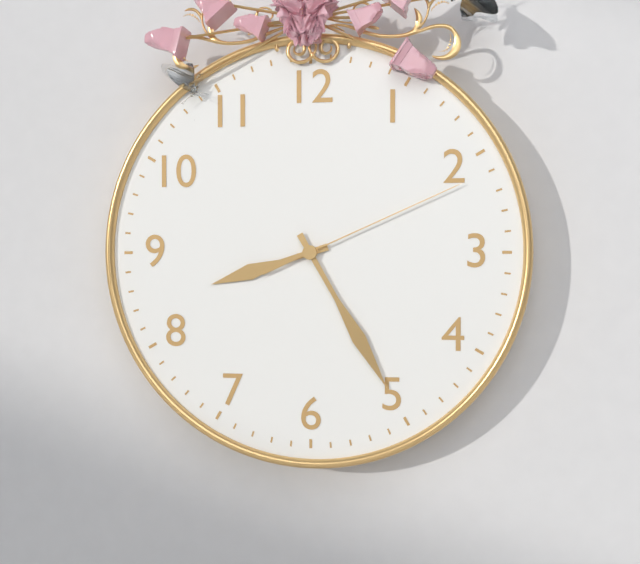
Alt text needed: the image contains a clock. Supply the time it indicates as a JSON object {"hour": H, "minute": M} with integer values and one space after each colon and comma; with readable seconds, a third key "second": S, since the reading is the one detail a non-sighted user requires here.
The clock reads {"hour": 8, "minute": 25, "second": 11}
